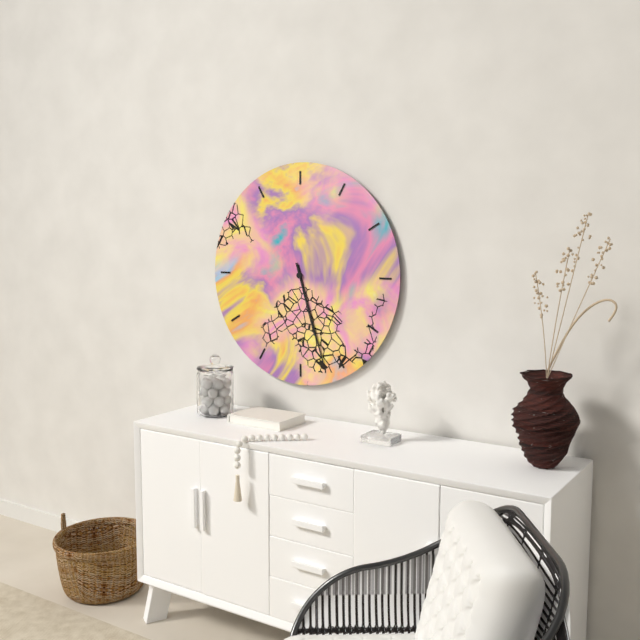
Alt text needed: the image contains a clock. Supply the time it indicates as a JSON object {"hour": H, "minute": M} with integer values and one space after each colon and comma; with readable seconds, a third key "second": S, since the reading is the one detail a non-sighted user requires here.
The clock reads {"hour": 5, "minute": 27}
